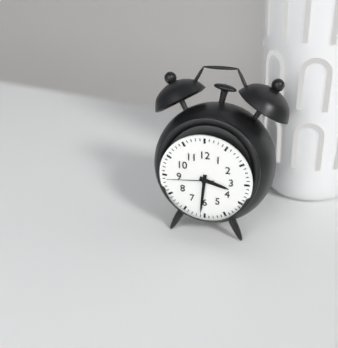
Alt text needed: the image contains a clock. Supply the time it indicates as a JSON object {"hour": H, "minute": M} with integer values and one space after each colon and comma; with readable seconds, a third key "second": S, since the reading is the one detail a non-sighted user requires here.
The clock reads {"hour": 3, "minute": 31}
